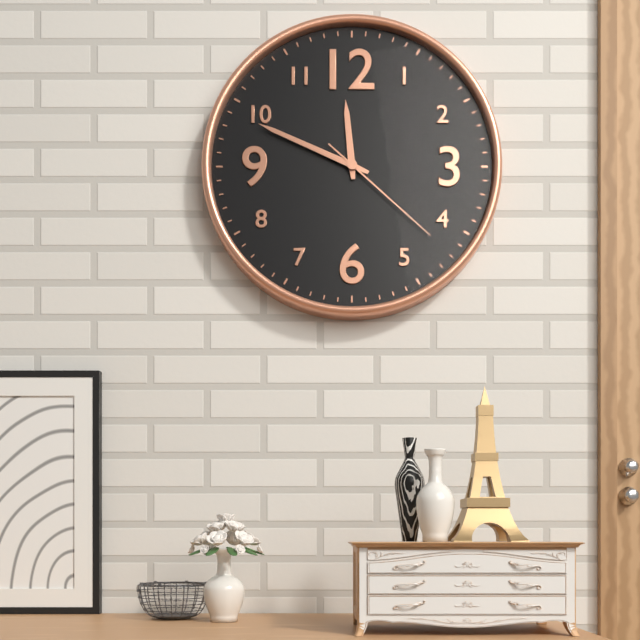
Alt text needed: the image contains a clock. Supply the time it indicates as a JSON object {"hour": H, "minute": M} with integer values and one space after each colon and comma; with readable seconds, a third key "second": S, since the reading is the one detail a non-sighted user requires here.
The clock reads {"hour": 11, "minute": 49, "second": 22}
